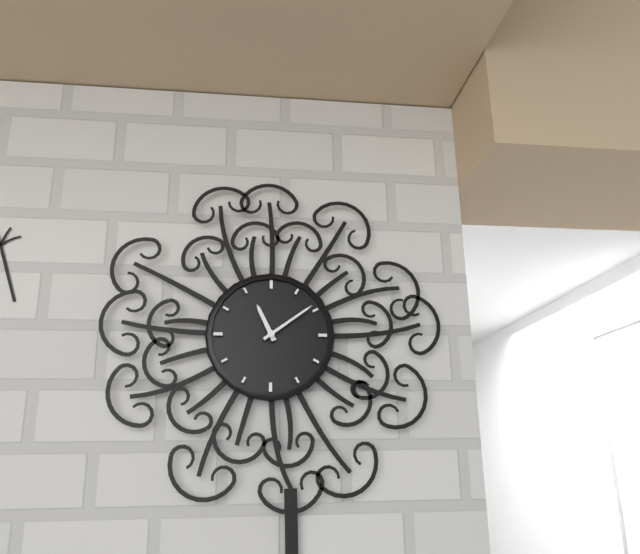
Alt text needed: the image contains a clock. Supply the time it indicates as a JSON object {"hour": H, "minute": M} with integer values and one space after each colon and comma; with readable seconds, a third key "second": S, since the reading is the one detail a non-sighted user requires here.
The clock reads {"hour": 11, "minute": 9}
